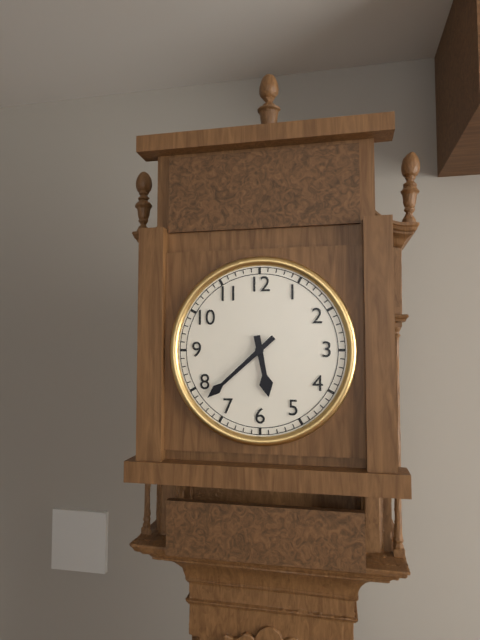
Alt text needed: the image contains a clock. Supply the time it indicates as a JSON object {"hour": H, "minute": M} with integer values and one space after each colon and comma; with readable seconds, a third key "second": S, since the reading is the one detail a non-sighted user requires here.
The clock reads {"hour": 5, "minute": 38}
